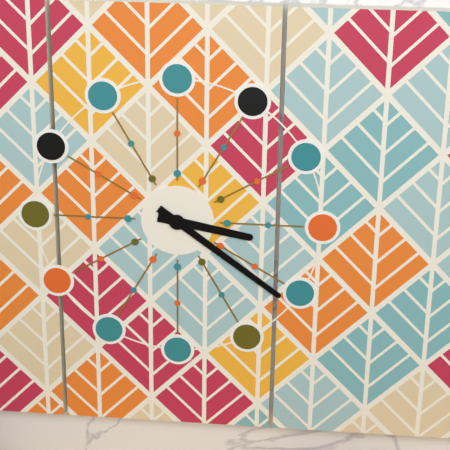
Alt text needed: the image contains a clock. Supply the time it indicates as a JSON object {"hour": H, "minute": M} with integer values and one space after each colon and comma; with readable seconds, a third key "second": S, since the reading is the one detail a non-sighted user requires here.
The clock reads {"hour": 3, "minute": 21}
